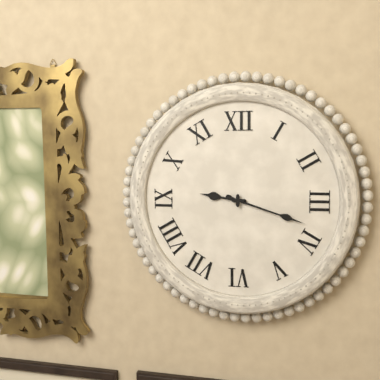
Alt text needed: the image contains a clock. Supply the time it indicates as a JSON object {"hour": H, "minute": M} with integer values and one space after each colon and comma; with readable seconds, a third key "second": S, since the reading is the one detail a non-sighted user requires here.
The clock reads {"hour": 9, "minute": 18}
